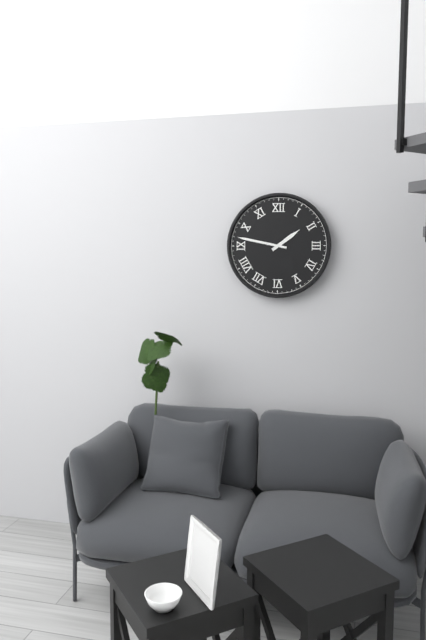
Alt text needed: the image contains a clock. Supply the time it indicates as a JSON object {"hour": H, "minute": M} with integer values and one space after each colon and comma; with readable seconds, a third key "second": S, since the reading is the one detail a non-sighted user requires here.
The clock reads {"hour": 1, "minute": 47}
